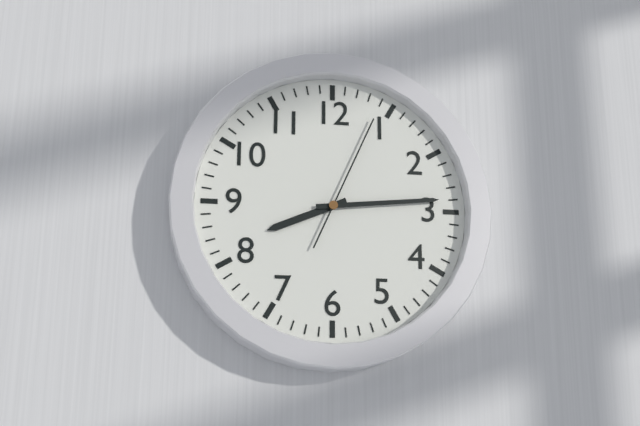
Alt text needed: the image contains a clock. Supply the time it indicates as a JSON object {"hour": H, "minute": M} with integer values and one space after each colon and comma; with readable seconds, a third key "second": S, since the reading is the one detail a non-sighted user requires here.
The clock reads {"hour": 8, "minute": 14, "second": 4}
